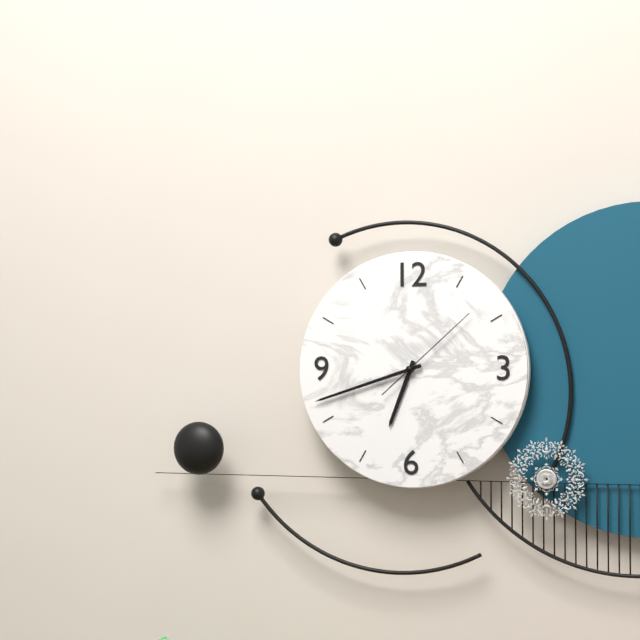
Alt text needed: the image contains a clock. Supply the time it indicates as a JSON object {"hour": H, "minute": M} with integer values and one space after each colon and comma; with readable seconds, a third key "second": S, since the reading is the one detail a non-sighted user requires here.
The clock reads {"hour": 6, "minute": 42, "second": 8}
